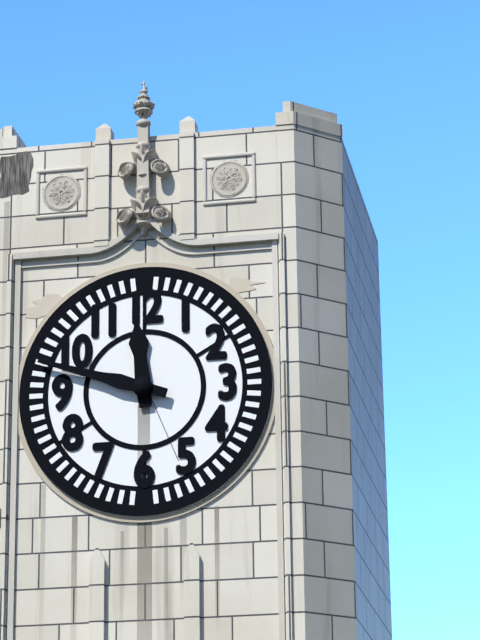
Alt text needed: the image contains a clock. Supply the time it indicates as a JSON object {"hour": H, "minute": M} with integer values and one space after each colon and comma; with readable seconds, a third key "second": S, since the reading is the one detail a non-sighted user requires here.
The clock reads {"hour": 11, "minute": 48}
